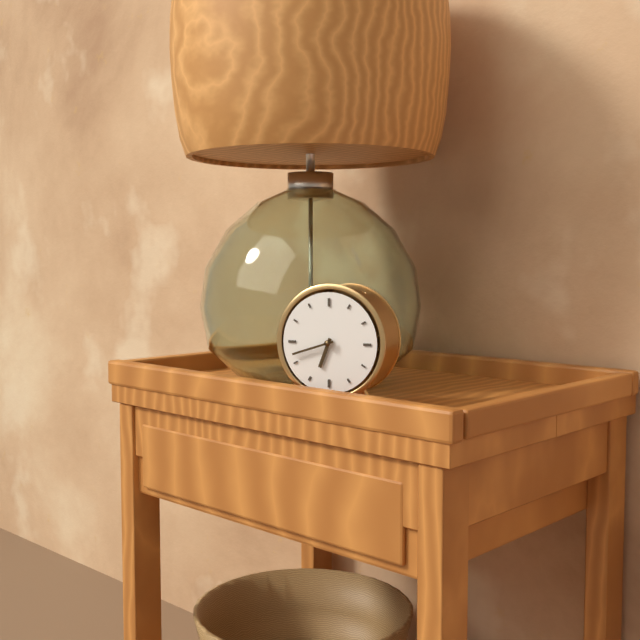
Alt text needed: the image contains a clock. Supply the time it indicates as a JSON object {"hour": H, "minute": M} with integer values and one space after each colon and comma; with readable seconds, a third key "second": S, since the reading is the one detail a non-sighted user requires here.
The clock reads {"hour": 6, "minute": 42}
